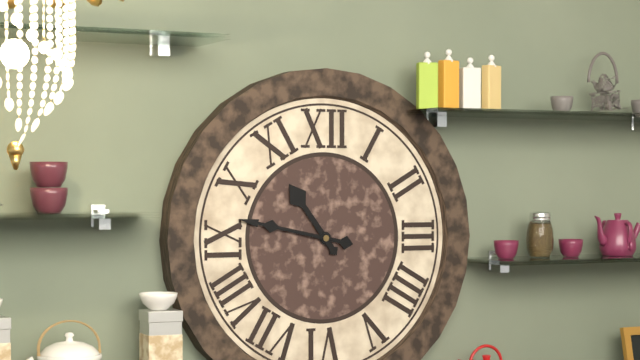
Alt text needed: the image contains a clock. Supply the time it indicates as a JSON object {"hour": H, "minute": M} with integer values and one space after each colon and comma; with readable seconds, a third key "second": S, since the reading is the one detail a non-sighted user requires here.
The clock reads {"hour": 10, "minute": 47}
